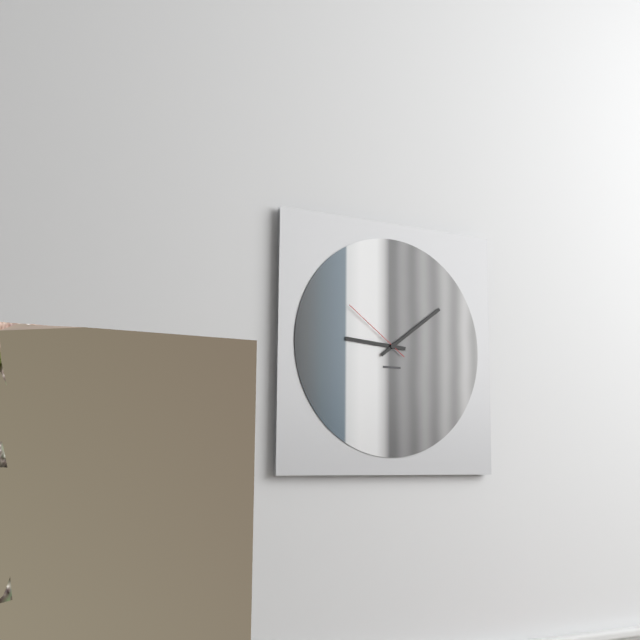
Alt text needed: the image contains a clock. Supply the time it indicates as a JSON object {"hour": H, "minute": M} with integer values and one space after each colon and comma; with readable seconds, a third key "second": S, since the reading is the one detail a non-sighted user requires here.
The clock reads {"hour": 9, "minute": 9, "second": 51}
